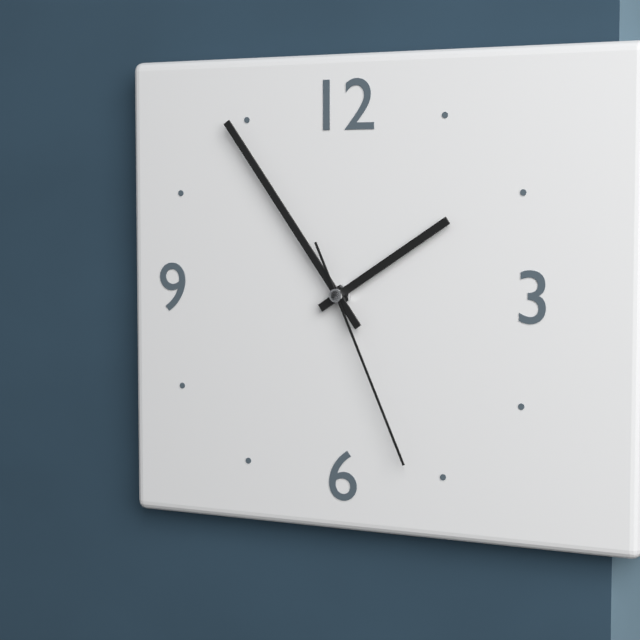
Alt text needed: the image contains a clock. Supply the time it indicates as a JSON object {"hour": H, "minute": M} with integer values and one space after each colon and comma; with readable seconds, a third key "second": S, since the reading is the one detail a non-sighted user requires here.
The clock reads {"hour": 1, "minute": 54, "second": 26}
